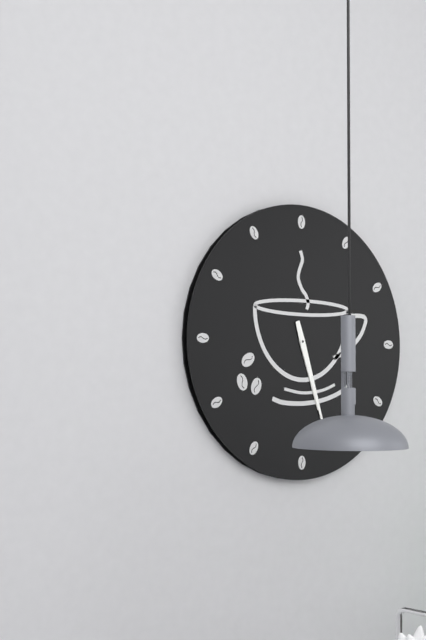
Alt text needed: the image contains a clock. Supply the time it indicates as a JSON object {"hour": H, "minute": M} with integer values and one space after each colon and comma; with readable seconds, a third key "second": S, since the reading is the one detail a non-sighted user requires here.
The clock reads {"hour": 5, "minute": 27}
